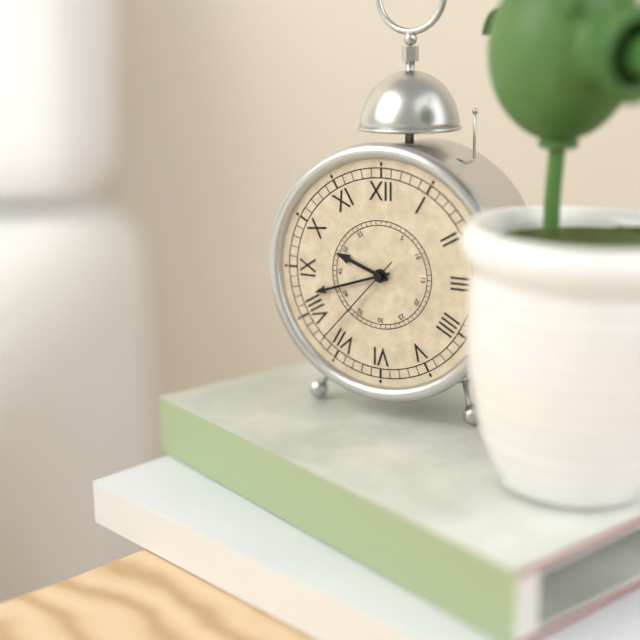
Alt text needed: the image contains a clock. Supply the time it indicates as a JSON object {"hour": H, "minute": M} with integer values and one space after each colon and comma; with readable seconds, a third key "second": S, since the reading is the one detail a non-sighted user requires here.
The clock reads {"hour": 9, "minute": 42, "second": 37}
